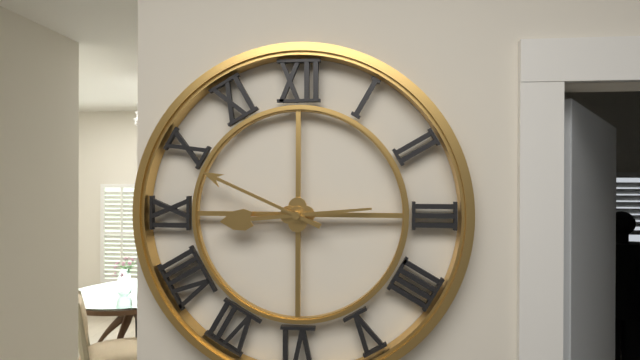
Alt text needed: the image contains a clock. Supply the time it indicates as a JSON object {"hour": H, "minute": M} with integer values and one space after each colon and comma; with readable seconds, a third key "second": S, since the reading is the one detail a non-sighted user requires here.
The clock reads {"hour": 8, "minute": 49}
